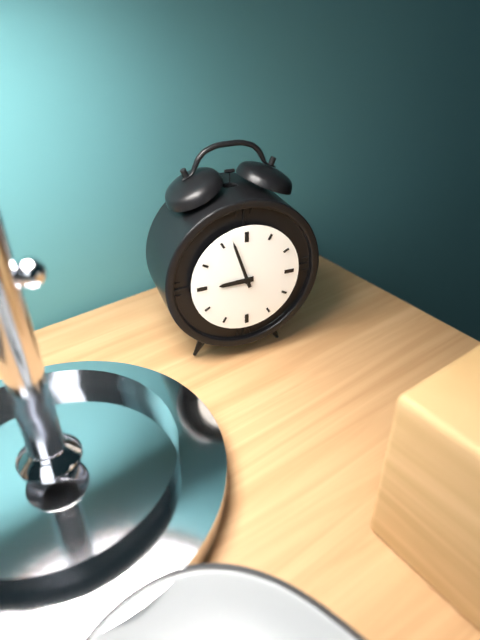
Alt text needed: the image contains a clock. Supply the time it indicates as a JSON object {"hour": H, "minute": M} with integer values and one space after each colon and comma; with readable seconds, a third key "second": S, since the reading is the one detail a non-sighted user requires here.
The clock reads {"hour": 8, "minute": 57}
